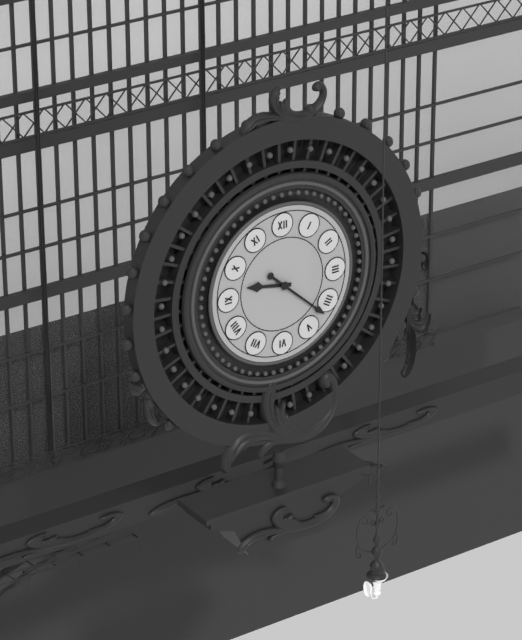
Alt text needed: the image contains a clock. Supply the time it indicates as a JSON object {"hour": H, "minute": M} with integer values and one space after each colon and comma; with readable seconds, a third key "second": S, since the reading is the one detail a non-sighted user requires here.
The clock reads {"hour": 9, "minute": 22}
